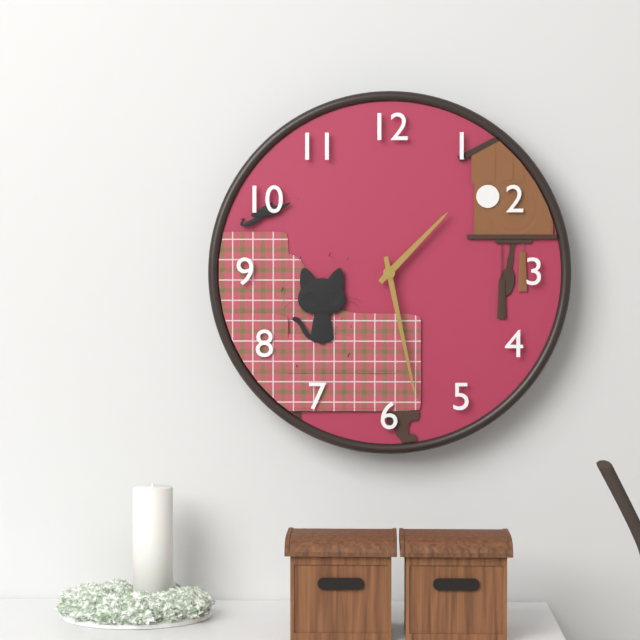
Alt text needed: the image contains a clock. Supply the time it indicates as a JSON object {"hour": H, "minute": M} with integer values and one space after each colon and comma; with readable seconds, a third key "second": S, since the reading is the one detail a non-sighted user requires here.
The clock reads {"hour": 1, "minute": 28}
